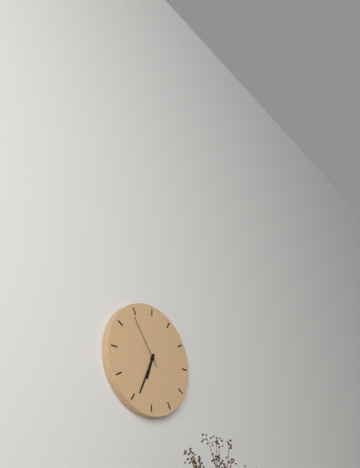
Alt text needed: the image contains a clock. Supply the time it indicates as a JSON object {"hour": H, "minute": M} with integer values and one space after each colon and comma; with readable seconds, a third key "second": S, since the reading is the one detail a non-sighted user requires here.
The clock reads {"hour": 6, "minute": 34, "second": 54}
